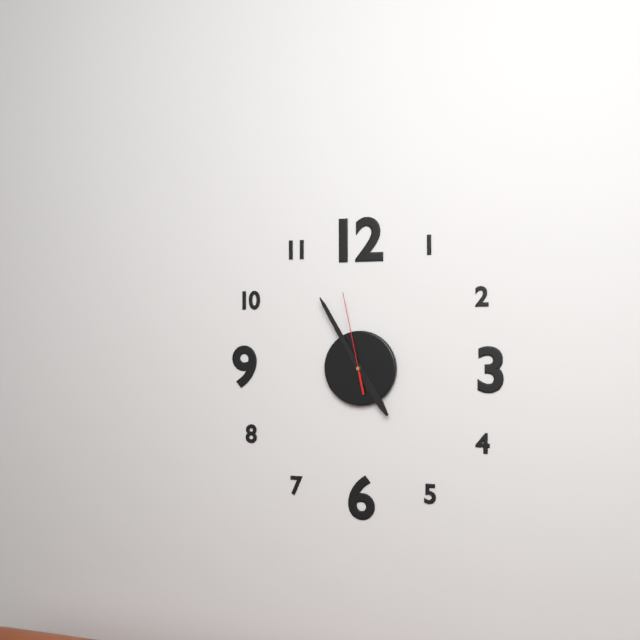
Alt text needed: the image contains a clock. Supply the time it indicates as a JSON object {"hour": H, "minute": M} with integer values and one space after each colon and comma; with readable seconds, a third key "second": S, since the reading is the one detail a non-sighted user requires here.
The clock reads {"hour": 4, "minute": 55, "second": 58}
